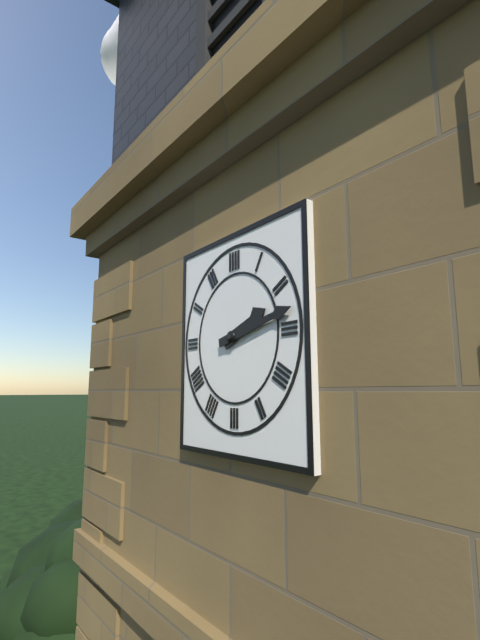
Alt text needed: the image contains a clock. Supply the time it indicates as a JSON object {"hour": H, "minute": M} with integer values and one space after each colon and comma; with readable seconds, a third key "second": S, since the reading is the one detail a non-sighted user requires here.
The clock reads {"hour": 2, "minute": 13}
